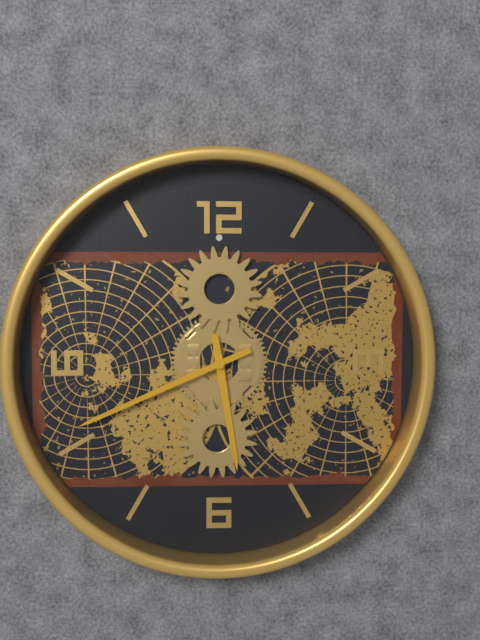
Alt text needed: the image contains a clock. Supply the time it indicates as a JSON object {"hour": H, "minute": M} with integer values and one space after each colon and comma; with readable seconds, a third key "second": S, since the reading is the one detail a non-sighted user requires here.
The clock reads {"hour": 5, "minute": 41}
